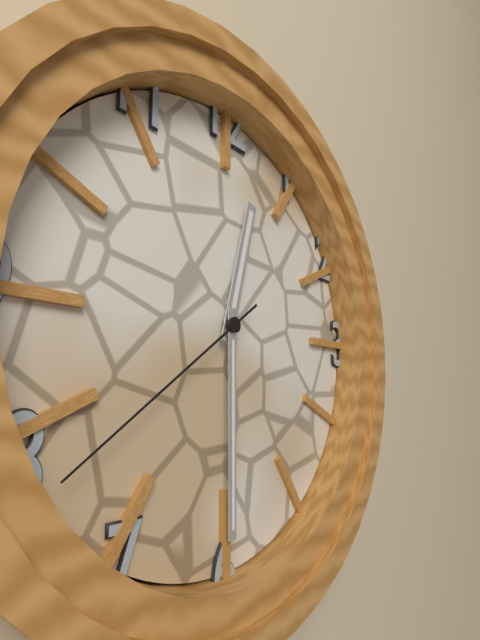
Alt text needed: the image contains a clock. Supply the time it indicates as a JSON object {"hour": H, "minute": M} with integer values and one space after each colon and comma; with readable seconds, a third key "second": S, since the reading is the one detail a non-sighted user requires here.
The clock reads {"hour": 12, "minute": 30, "second": 39}
